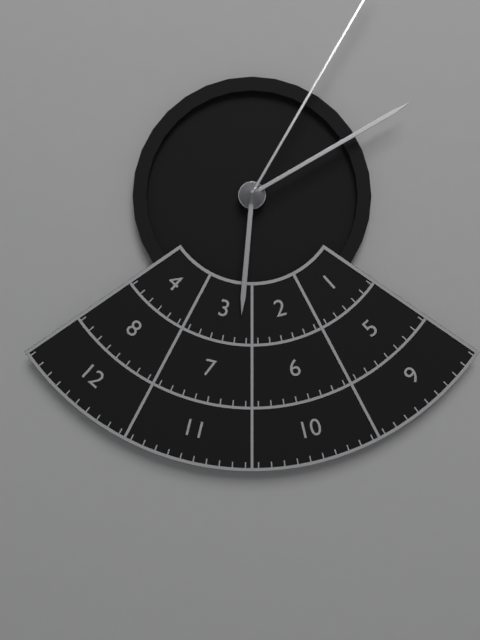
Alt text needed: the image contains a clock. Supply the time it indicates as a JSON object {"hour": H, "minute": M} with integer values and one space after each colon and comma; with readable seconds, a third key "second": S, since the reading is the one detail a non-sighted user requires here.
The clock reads {"hour": 6, "minute": 10}
